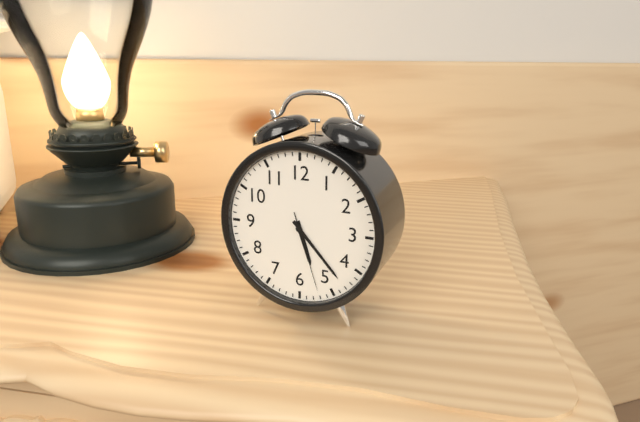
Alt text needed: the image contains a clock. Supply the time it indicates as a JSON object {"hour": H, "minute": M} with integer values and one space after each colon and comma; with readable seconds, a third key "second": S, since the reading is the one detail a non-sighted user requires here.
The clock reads {"hour": 5, "minute": 23, "second": 27}
